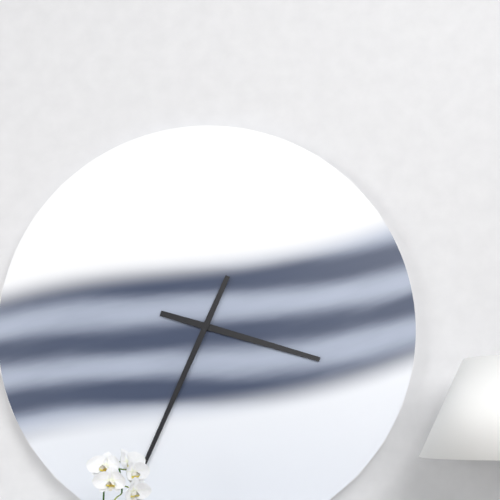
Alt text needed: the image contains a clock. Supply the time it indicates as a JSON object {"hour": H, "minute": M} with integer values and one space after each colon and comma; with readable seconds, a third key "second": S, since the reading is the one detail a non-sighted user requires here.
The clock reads {"hour": 3, "minute": 34}
